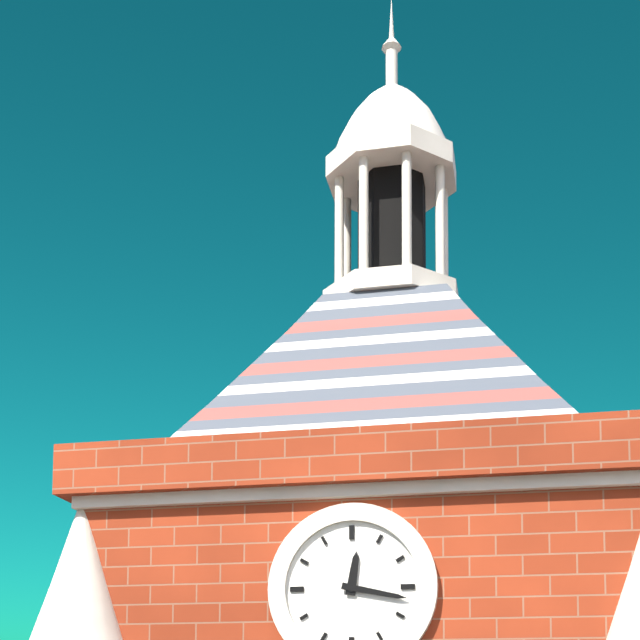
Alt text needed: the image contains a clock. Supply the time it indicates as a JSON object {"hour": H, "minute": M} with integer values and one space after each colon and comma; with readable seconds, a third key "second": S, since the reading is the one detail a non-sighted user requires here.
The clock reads {"hour": 12, "minute": 17}
